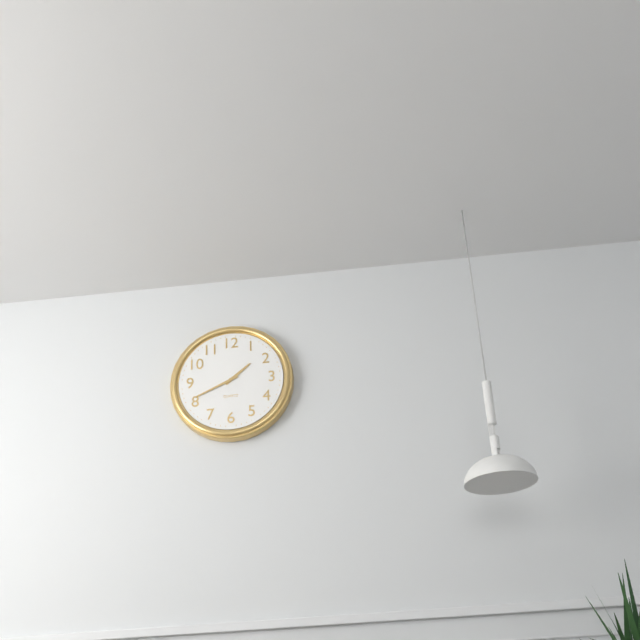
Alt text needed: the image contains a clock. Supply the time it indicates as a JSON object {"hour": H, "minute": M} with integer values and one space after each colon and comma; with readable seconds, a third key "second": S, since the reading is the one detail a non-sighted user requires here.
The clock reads {"hour": 1, "minute": 41}
